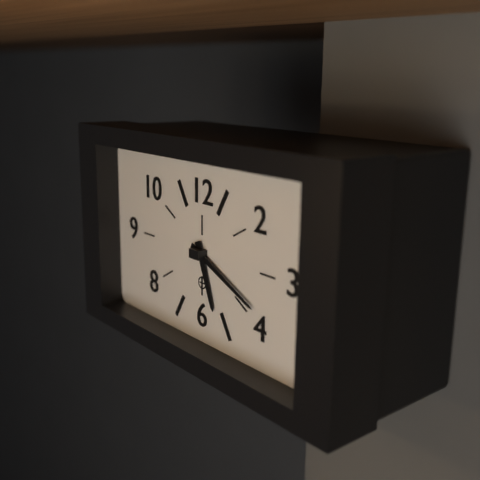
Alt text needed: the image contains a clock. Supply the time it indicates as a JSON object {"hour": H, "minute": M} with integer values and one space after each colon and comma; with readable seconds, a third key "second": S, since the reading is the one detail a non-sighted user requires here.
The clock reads {"hour": 5, "minute": 19}
